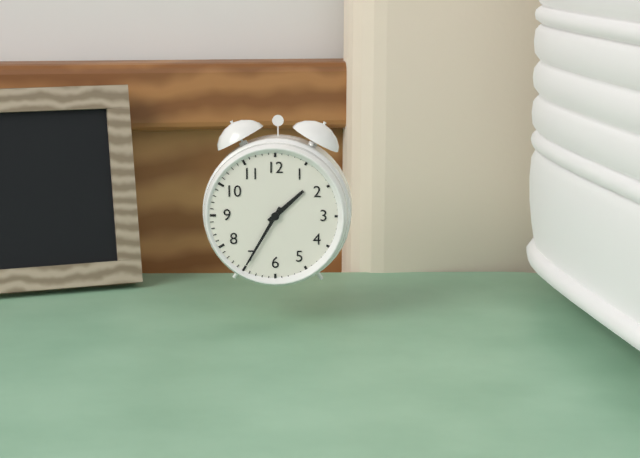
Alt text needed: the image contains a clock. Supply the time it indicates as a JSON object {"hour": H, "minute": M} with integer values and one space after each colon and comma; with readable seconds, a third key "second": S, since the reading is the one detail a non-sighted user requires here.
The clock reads {"hour": 1, "minute": 35}
